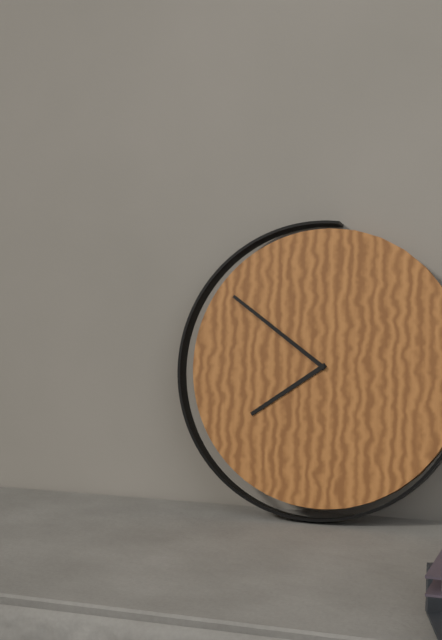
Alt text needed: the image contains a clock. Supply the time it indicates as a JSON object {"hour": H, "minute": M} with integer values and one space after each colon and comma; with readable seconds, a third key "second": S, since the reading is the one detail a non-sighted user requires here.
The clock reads {"hour": 7, "minute": 51}
